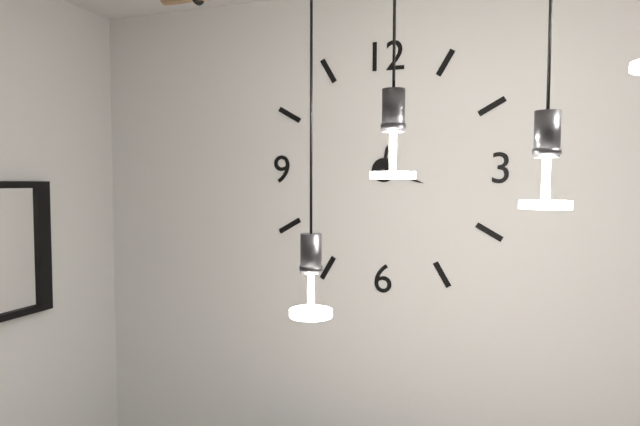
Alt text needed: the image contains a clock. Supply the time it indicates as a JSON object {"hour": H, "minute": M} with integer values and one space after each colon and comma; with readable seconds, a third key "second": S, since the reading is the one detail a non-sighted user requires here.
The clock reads {"hour": 12, "minute": 18}
